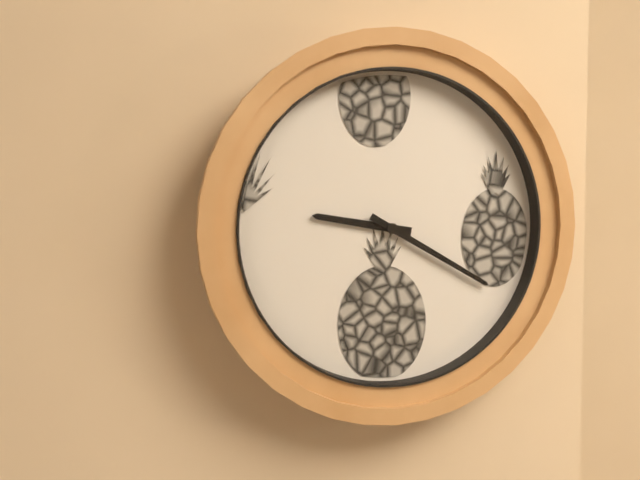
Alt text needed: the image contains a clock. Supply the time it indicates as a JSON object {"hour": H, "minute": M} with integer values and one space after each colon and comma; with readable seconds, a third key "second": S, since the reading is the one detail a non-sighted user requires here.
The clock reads {"hour": 9, "minute": 20}
